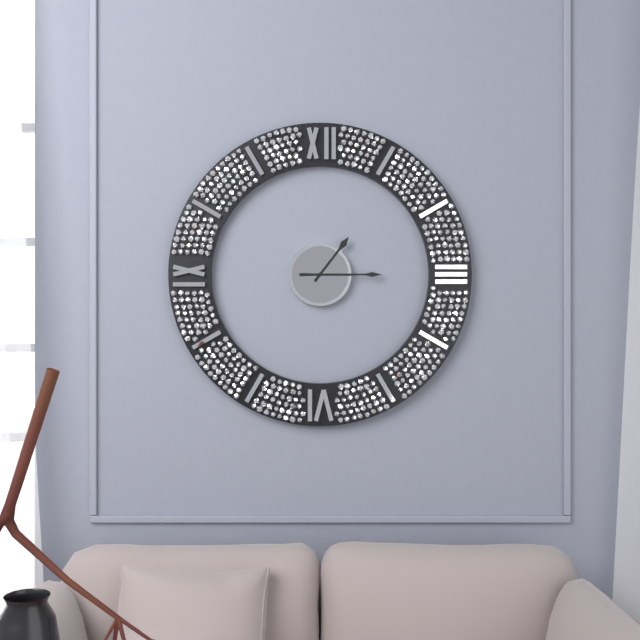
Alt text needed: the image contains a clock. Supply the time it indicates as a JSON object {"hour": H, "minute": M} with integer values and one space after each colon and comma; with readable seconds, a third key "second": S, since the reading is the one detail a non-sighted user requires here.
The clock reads {"hour": 1, "minute": 15}
